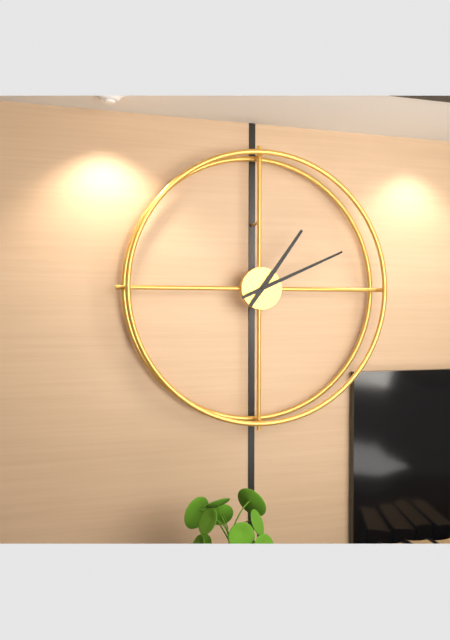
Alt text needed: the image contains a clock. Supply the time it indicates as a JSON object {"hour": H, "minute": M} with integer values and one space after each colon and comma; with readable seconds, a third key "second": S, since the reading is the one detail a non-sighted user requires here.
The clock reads {"hour": 1, "minute": 11}
